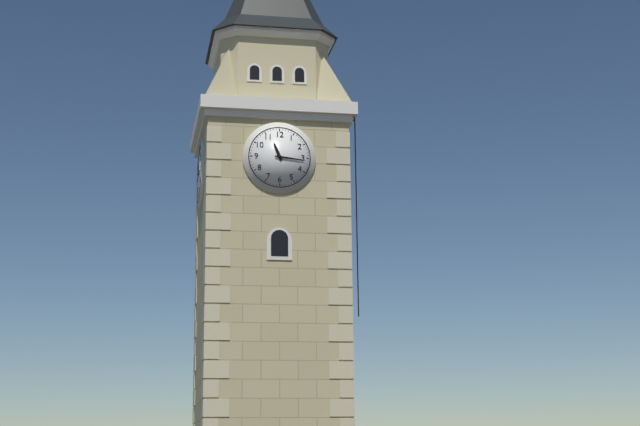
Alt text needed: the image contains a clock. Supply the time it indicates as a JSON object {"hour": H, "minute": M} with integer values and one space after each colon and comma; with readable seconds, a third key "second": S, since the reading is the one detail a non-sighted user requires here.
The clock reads {"hour": 11, "minute": 16}
